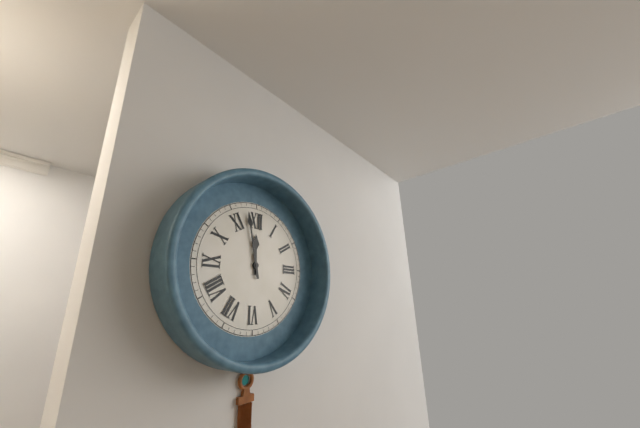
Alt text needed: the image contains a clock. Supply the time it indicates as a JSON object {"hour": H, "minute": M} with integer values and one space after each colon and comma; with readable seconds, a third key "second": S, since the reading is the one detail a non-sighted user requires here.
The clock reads {"hour": 11, "minute": 58}
